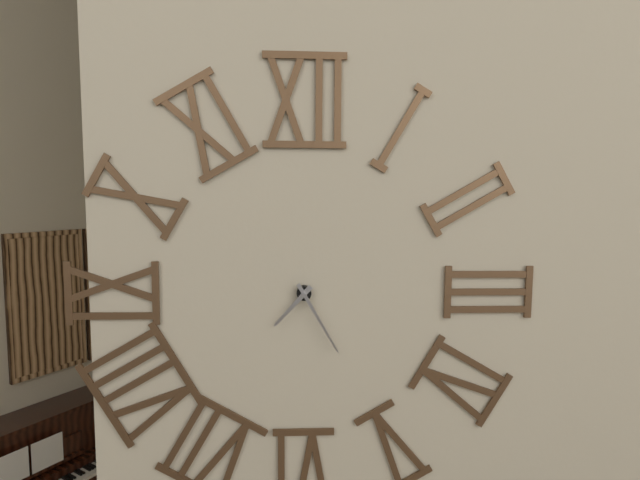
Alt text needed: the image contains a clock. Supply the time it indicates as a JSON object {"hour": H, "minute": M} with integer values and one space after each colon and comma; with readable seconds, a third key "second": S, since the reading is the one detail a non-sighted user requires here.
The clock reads {"hour": 7, "minute": 25}
